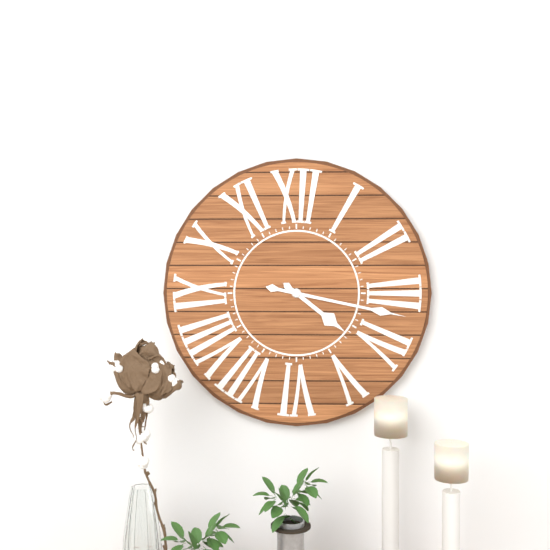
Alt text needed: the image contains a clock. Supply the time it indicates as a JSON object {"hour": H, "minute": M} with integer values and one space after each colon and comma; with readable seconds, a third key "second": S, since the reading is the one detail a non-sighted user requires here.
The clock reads {"hour": 4, "minute": 17}
